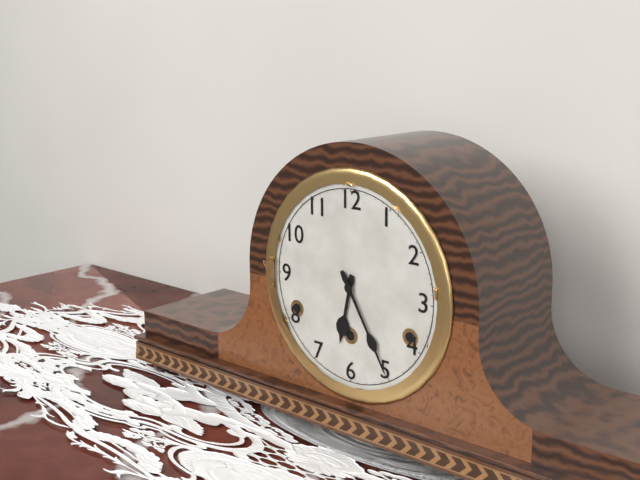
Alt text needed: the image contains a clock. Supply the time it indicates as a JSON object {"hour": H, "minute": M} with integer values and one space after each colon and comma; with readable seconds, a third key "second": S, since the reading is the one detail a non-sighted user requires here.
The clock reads {"hour": 6, "minute": 25}
